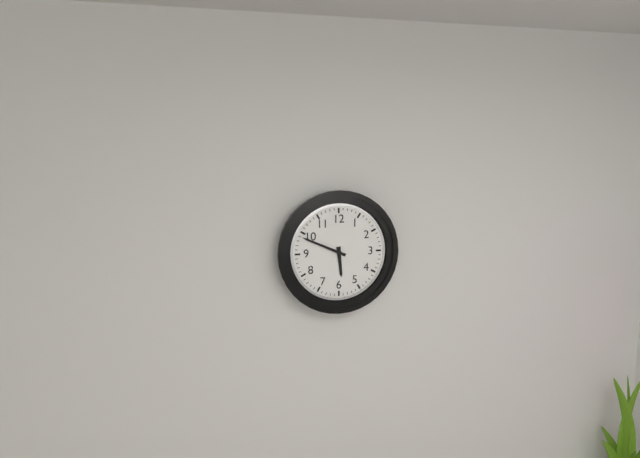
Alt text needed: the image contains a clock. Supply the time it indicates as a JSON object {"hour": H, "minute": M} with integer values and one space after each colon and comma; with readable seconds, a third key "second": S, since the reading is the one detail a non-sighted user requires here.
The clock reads {"hour": 5, "minute": 49}
